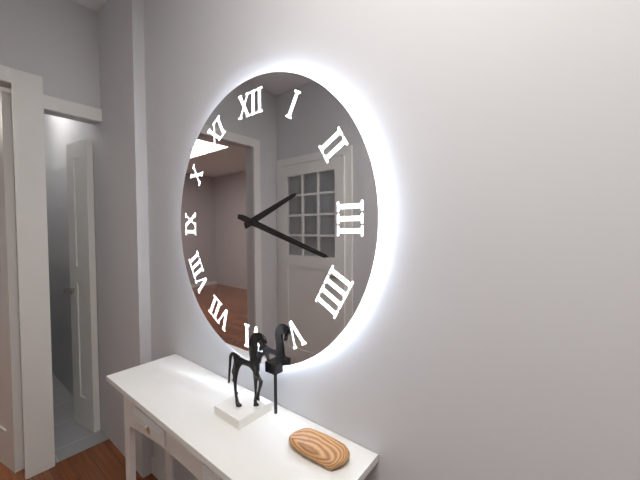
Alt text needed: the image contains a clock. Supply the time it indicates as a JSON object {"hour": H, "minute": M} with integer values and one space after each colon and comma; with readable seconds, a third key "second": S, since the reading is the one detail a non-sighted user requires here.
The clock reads {"hour": 2, "minute": 18}
